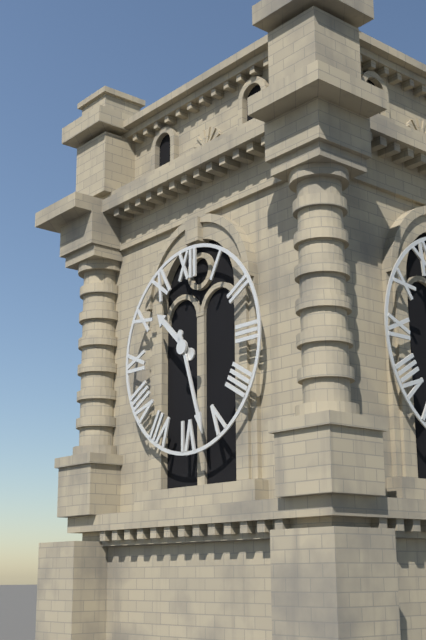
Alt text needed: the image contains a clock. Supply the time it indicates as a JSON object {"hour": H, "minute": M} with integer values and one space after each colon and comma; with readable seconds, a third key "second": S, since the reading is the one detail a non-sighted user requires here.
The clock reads {"hour": 10, "minute": 27}
